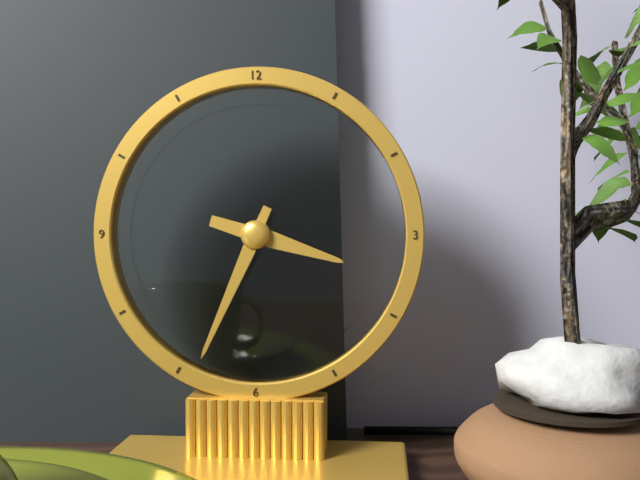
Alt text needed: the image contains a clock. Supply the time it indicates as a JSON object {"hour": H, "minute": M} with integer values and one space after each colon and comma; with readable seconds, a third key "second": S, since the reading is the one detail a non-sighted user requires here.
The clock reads {"hour": 3, "minute": 34}
